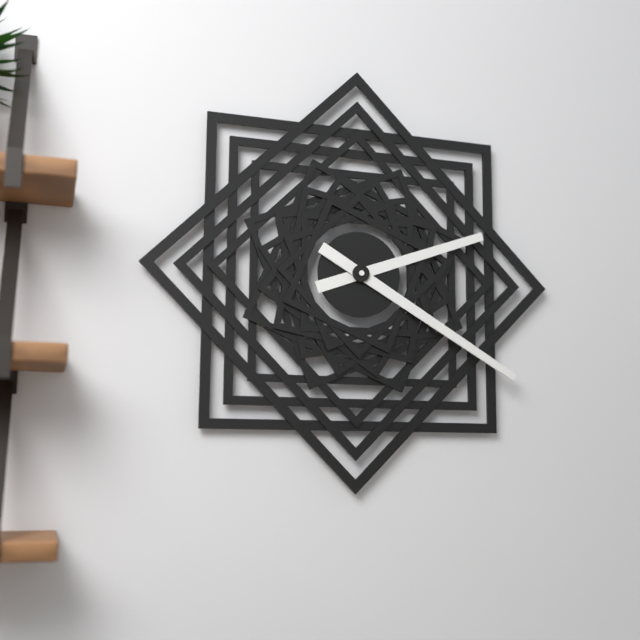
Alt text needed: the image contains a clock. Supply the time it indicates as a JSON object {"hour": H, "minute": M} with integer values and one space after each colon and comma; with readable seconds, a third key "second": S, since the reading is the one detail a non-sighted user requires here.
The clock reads {"hour": 2, "minute": 20}
